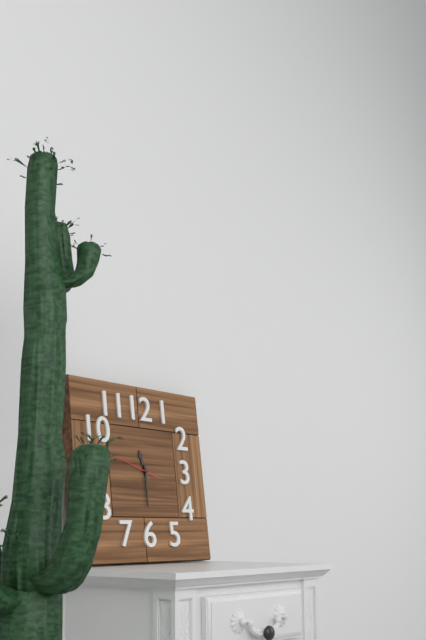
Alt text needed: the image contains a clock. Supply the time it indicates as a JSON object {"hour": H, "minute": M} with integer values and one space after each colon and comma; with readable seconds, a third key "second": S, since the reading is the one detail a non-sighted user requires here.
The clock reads {"hour": 11, "minute": 30}
